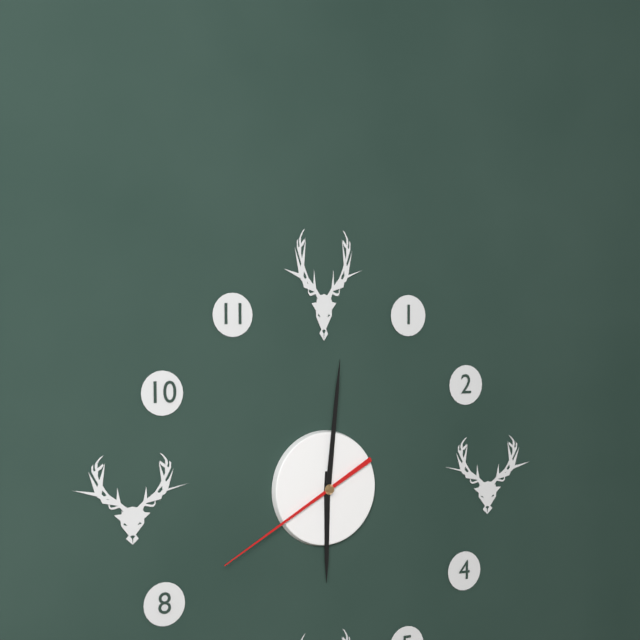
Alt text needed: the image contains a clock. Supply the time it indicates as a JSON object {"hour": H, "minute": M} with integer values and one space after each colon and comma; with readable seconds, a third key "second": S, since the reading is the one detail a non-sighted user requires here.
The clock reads {"hour": 6, "minute": 1, "second": 40}
